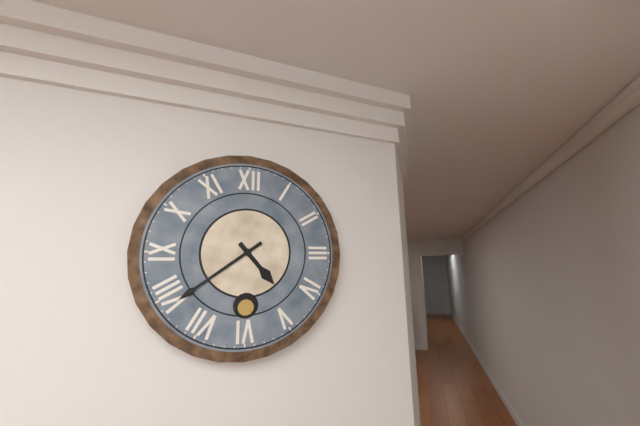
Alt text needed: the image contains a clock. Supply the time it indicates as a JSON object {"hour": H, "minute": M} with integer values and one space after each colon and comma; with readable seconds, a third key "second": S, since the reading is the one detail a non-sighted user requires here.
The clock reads {"hour": 4, "minute": 39}
